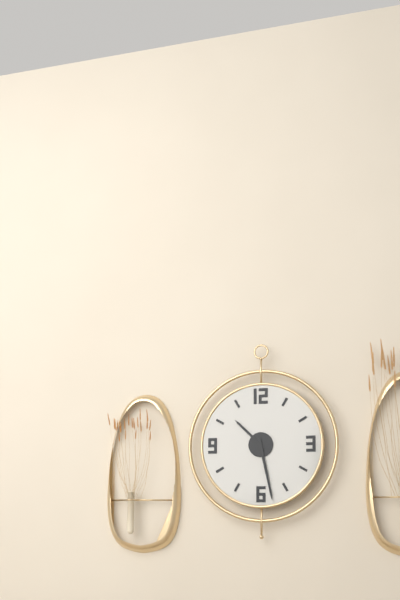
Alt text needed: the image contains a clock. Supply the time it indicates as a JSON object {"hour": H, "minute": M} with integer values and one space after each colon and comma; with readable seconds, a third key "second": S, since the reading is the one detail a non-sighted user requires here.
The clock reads {"hour": 10, "minute": 28}
